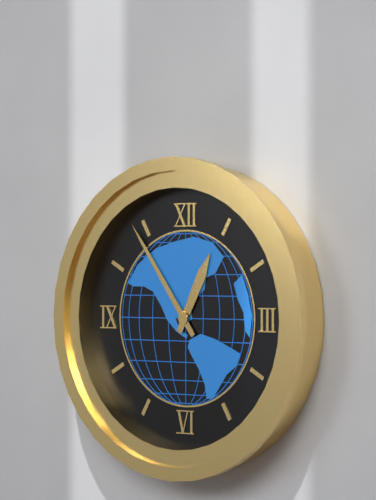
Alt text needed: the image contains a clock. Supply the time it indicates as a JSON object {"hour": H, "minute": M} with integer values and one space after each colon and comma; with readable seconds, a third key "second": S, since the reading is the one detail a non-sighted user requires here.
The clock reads {"hour": 12, "minute": 54}
